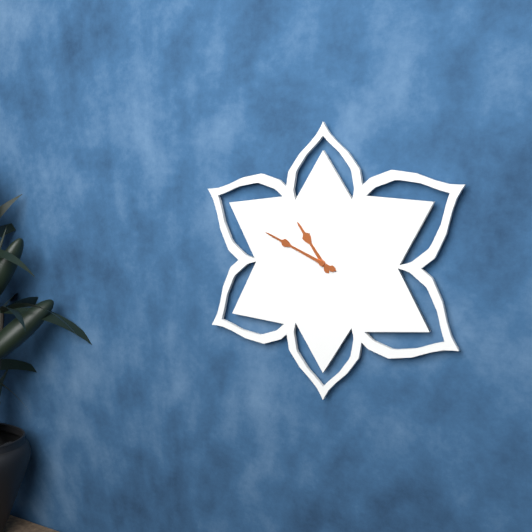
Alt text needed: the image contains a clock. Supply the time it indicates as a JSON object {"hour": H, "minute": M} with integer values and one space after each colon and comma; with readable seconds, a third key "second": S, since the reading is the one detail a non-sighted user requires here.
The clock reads {"hour": 10, "minute": 49}
